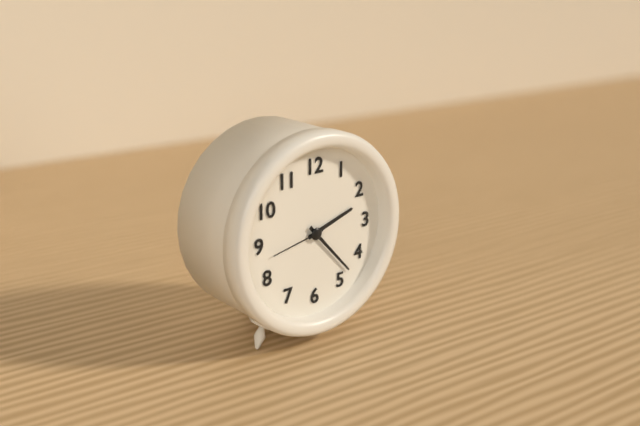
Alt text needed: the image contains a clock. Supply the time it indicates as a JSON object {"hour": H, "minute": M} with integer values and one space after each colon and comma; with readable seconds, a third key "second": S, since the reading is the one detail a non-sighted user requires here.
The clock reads {"hour": 2, "minute": 23, "second": 43}
